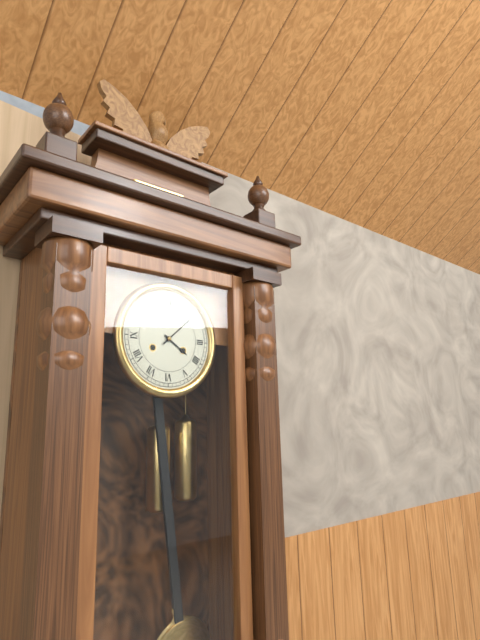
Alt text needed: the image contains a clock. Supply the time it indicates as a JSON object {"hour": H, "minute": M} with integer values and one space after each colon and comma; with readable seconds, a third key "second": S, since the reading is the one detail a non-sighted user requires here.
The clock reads {"hour": 4, "minute": 8}
